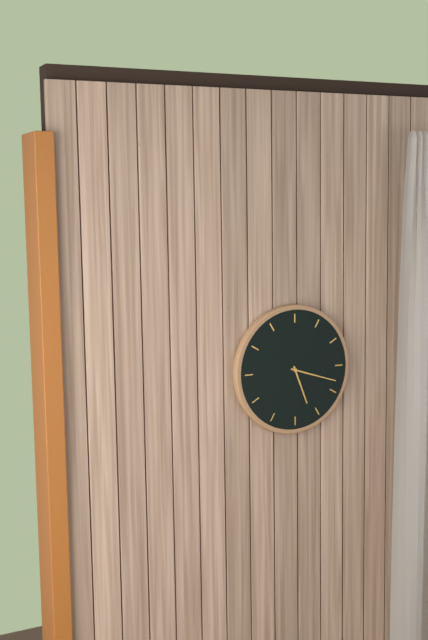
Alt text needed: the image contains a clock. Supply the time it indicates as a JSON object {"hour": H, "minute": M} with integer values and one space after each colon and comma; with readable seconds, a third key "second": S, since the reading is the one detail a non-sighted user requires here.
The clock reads {"hour": 5, "minute": 18}
